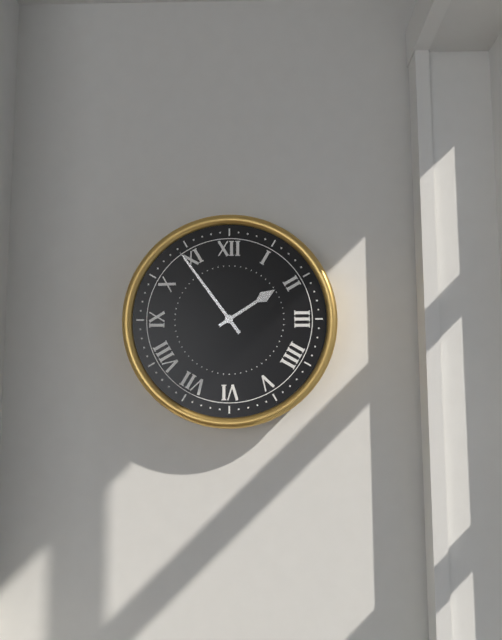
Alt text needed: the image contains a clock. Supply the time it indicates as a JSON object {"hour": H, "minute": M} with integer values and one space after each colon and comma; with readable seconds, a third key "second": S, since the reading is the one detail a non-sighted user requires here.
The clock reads {"hour": 1, "minute": 54}
